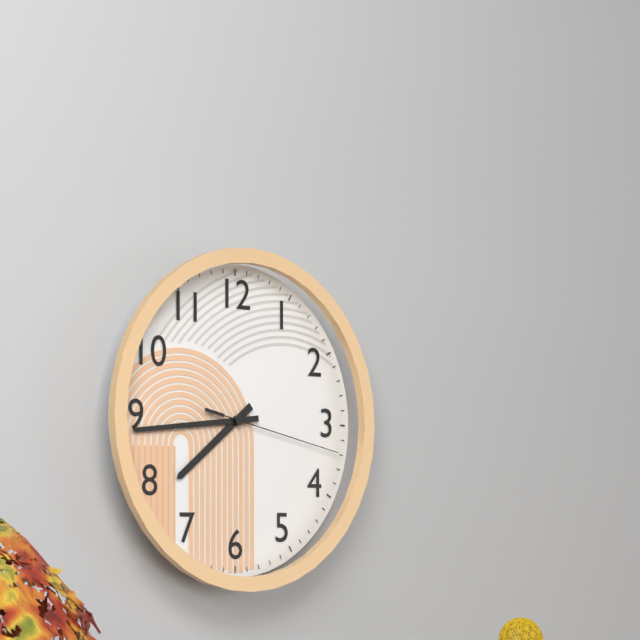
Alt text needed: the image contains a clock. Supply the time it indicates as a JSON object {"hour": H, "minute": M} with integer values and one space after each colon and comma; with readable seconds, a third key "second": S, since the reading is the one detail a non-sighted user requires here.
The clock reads {"hour": 7, "minute": 44, "second": 17}
